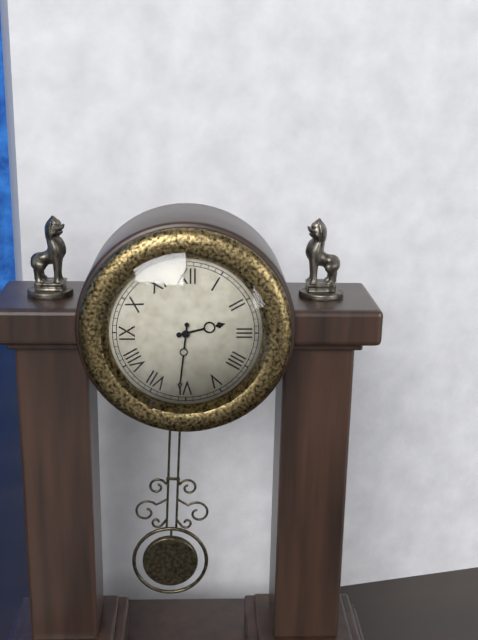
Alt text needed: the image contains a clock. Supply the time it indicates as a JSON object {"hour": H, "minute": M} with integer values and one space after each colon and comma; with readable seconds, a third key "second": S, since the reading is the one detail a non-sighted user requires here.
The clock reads {"hour": 2, "minute": 31}
